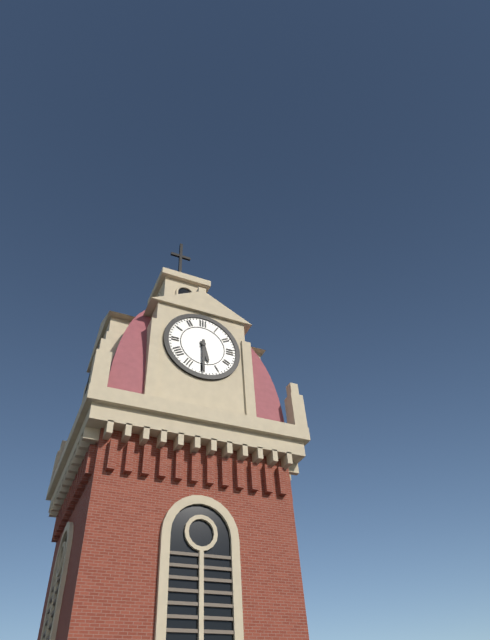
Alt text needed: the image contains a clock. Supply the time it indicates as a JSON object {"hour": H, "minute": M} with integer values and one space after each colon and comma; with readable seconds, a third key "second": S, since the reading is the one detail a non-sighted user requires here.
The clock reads {"hour": 5, "minute": 30}
